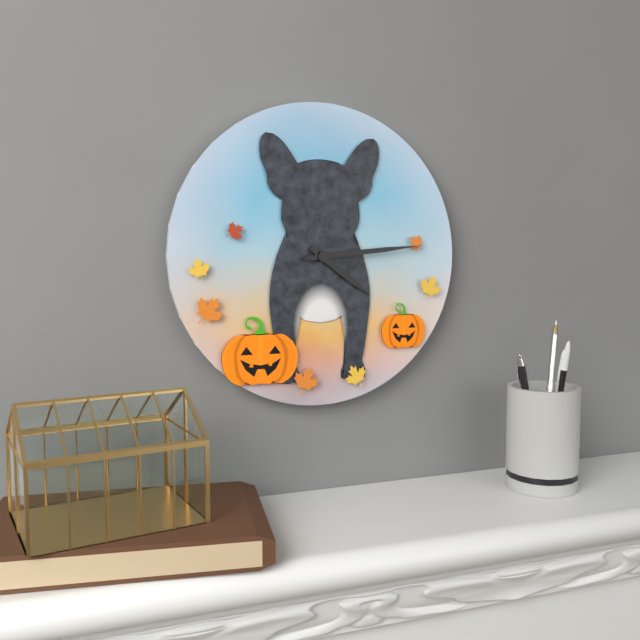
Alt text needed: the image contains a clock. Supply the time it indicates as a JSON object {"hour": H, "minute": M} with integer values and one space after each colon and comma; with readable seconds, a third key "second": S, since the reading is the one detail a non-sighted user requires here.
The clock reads {"hour": 4, "minute": 14}
